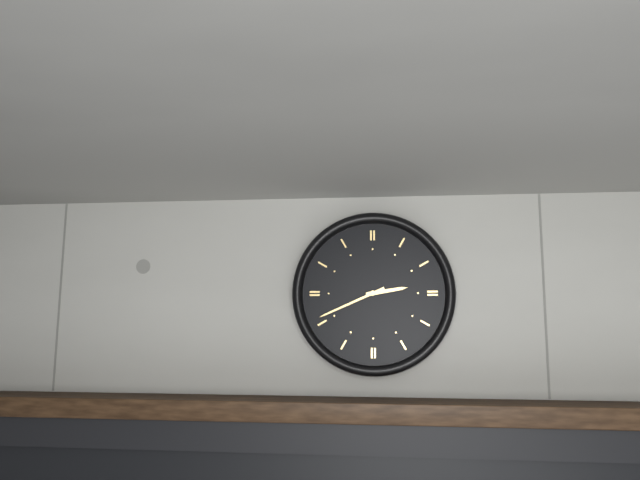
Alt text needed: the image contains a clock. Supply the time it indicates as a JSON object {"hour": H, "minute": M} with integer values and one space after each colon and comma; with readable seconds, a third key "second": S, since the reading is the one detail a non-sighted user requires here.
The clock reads {"hour": 2, "minute": 41}
